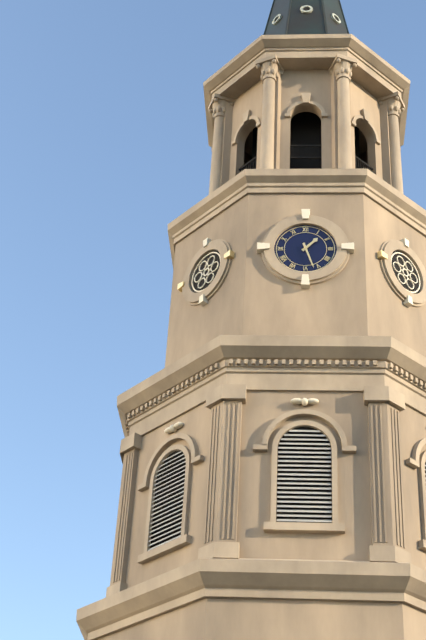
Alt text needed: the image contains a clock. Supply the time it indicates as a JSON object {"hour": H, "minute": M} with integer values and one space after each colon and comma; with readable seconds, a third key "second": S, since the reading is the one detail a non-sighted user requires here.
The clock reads {"hour": 1, "minute": 27}
